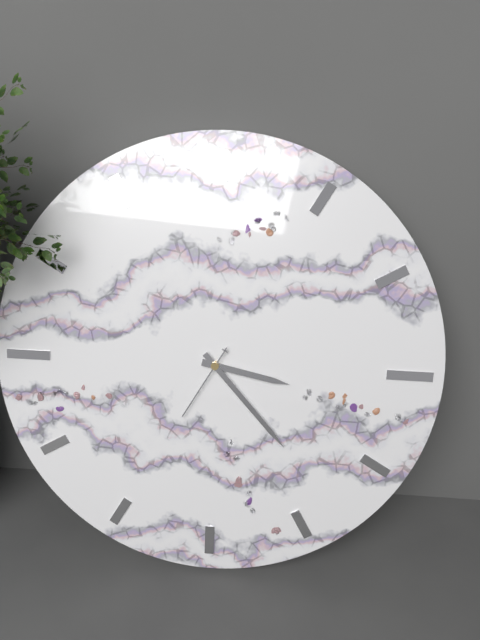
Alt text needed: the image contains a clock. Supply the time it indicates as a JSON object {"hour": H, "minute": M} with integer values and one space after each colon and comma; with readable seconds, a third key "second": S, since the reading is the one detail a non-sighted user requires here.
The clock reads {"hour": 3, "minute": 23, "second": 35}
